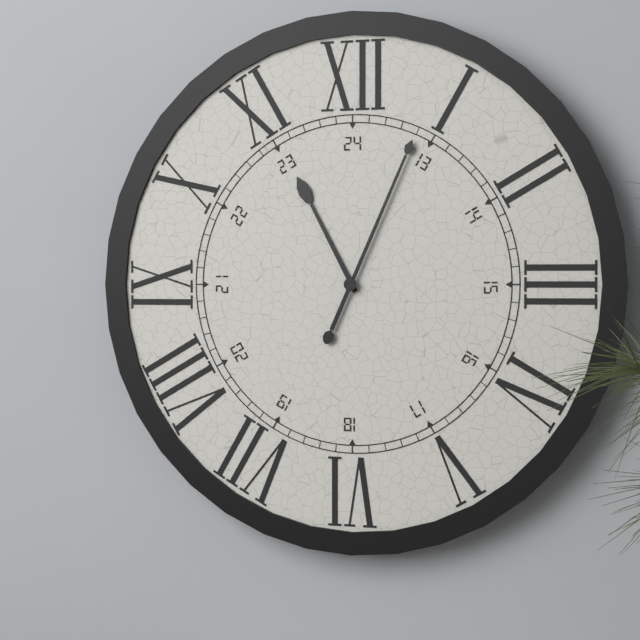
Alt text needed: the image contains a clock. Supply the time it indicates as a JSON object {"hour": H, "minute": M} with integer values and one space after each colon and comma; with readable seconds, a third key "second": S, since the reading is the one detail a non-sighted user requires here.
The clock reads {"hour": 11, "minute": 4}
